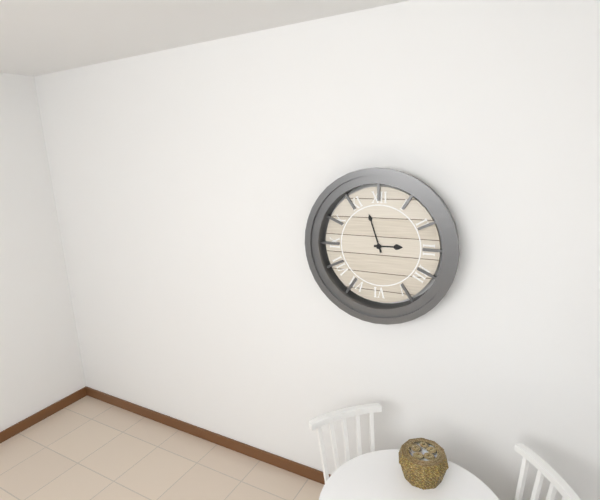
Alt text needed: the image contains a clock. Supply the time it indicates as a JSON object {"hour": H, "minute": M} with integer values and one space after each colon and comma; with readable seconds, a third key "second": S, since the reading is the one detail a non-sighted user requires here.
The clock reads {"hour": 2, "minute": 57}
